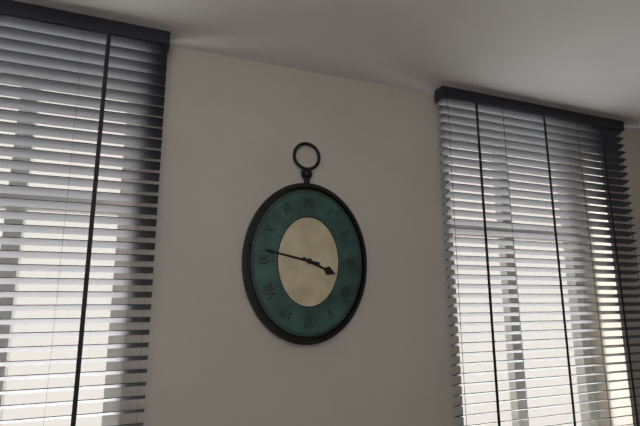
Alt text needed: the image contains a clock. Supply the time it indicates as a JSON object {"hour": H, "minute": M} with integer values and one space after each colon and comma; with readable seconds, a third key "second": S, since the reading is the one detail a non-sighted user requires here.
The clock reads {"hour": 3, "minute": 47}
